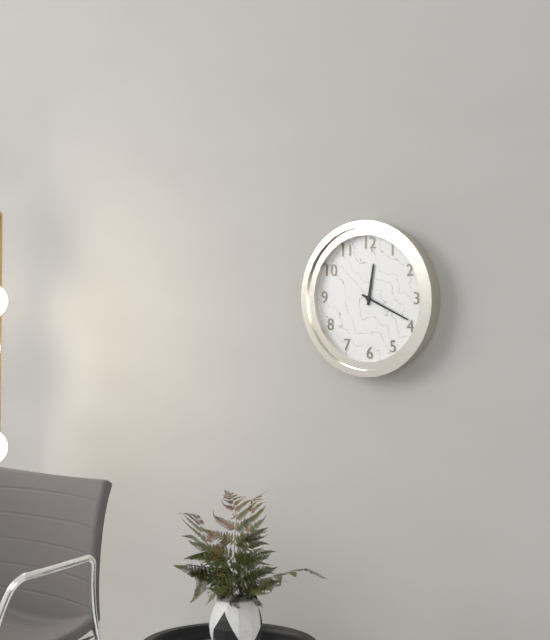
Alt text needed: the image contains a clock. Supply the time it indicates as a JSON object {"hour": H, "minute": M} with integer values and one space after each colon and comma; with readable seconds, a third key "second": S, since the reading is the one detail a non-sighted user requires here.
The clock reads {"hour": 12, "minute": 19}
